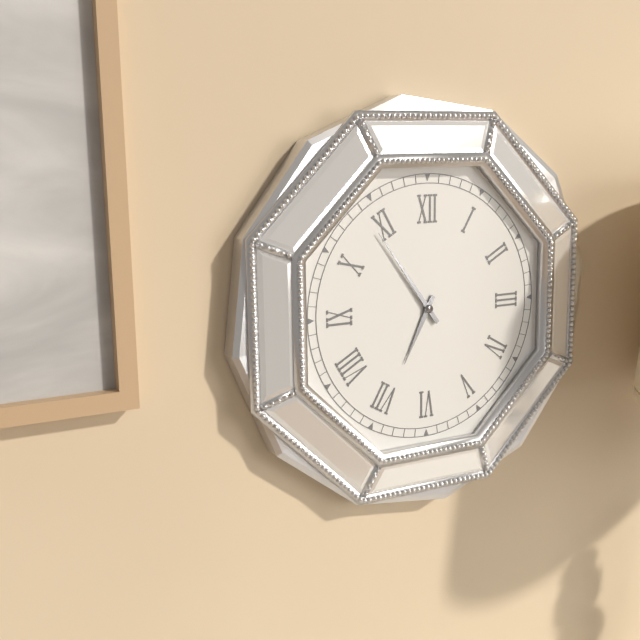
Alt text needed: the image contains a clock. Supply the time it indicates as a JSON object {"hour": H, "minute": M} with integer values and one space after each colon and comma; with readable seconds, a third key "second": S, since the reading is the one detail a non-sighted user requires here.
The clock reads {"hour": 6, "minute": 54}
